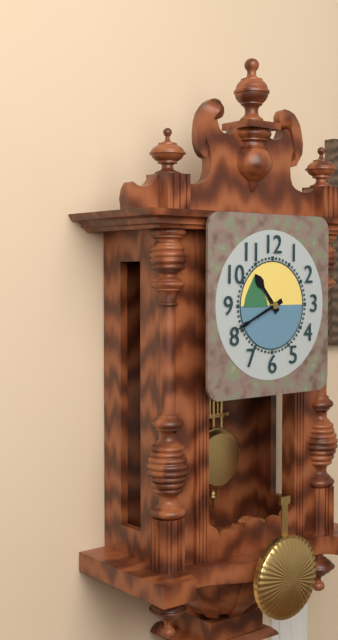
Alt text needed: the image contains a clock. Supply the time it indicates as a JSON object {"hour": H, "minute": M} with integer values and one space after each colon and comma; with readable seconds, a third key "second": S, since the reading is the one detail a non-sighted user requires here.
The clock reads {"hour": 10, "minute": 41}
